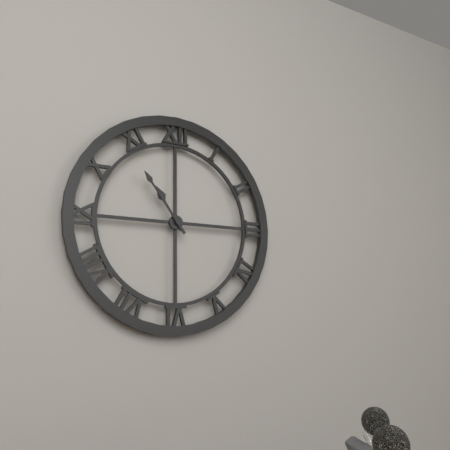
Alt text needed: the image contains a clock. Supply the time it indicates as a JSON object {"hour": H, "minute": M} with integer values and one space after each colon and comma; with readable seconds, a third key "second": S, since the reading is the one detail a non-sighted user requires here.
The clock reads {"hour": 10, "minute": 54}
